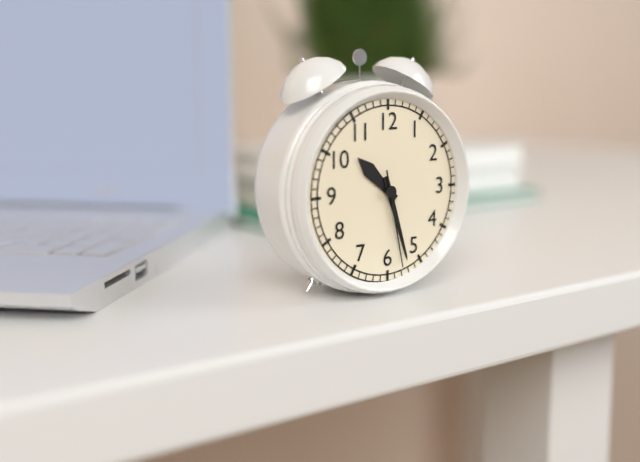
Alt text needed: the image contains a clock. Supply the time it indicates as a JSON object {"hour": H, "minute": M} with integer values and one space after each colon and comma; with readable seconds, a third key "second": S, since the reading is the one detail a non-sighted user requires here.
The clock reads {"hour": 10, "minute": 27, "second": 28}
